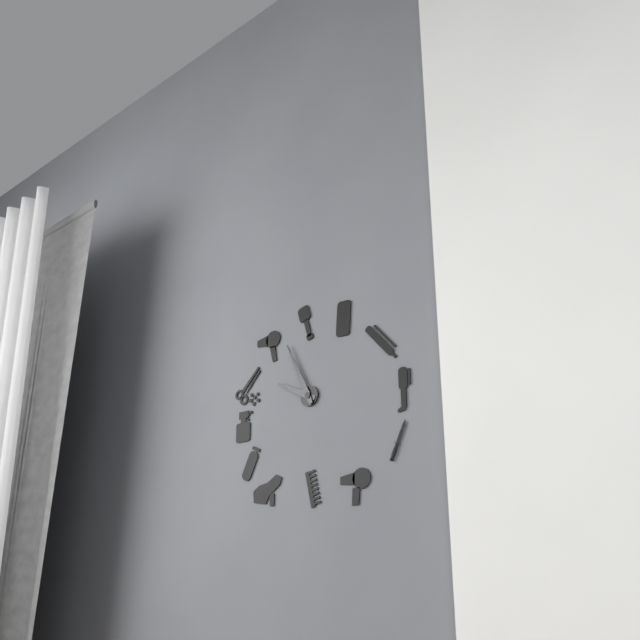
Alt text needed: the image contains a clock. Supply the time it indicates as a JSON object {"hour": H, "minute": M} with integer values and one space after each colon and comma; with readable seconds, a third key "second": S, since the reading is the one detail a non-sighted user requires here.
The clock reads {"hour": 9, "minute": 56}
